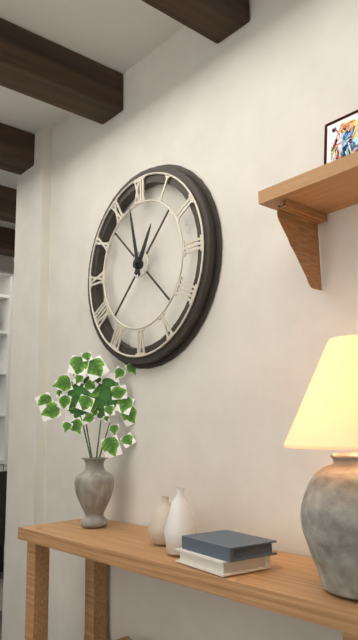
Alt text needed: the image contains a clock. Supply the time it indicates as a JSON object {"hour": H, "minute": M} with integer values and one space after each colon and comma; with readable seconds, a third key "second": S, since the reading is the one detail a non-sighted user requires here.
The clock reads {"hour": 12, "minute": 58}
